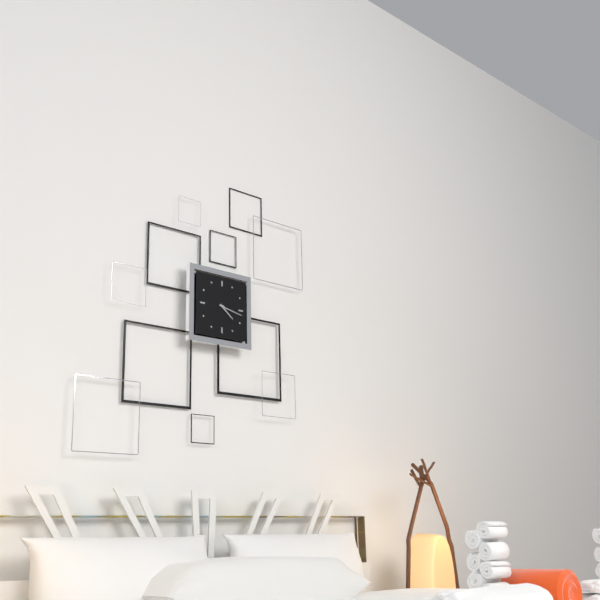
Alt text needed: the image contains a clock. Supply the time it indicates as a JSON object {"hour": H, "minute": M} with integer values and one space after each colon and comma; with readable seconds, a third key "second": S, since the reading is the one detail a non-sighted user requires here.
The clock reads {"hour": 4, "minute": 17}
